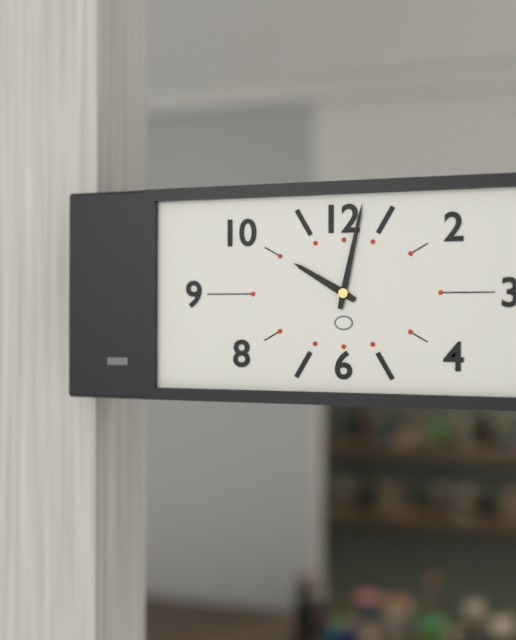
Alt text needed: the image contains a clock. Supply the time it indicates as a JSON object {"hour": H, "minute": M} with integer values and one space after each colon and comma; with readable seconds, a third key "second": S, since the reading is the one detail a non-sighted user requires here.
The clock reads {"hour": 10, "minute": 2}
